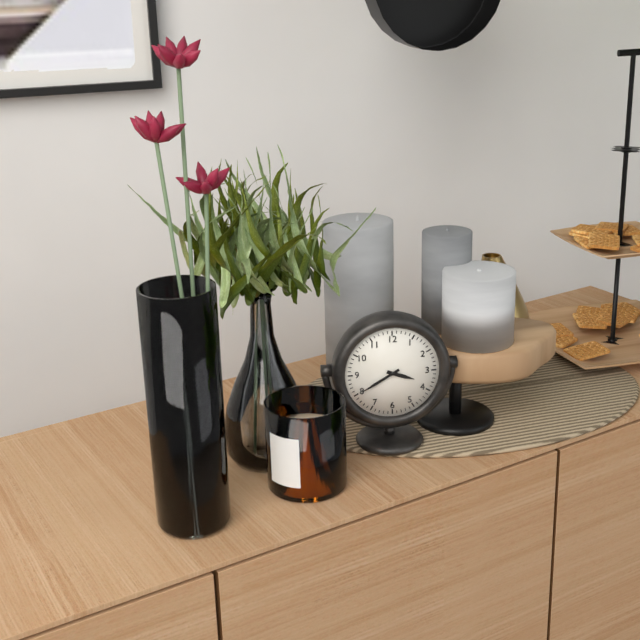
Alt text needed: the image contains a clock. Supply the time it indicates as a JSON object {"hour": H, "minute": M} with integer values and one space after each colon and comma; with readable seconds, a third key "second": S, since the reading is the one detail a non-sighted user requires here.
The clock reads {"hour": 3, "minute": 40}
